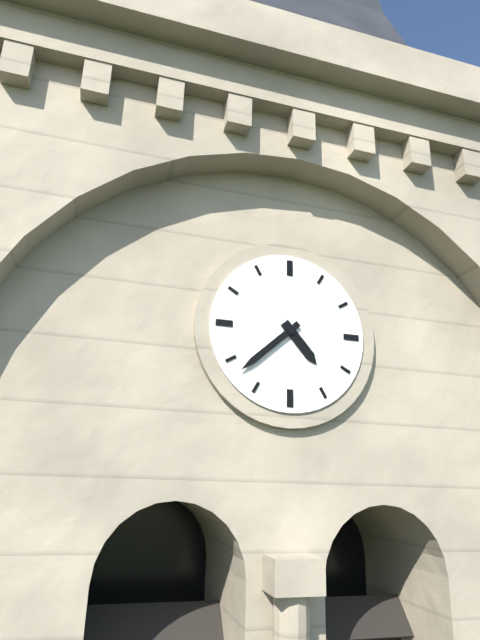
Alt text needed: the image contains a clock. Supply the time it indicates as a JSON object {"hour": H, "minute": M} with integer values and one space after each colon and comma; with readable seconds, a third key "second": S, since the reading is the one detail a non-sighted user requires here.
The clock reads {"hour": 4, "minute": 38}
